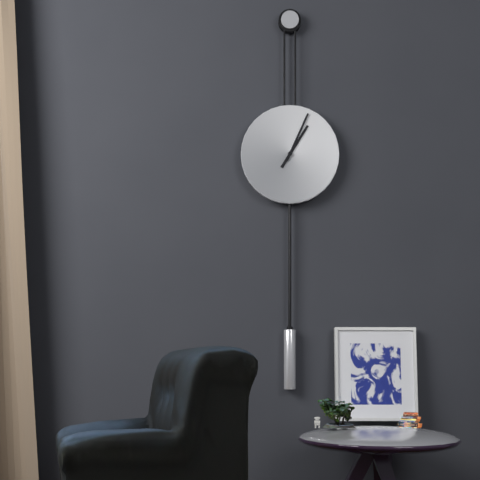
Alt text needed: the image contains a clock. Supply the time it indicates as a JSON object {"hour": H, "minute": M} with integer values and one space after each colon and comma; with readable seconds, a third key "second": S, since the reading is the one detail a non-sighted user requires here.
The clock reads {"hour": 1, "minute": 4}
